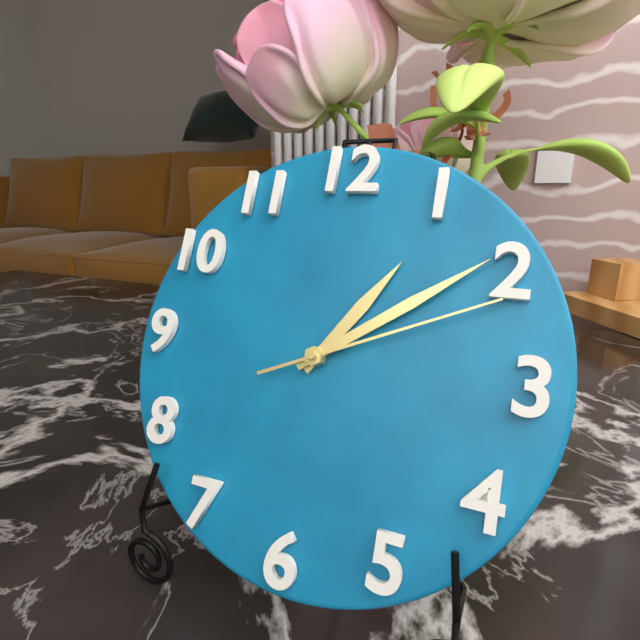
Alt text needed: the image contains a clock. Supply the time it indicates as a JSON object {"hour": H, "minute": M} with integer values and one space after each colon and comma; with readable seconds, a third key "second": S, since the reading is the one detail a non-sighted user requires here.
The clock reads {"hour": 1, "minute": 9, "second": 11}
